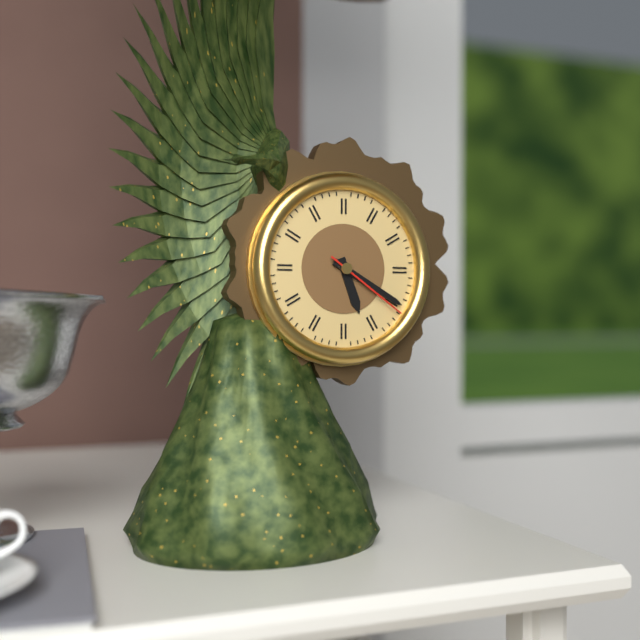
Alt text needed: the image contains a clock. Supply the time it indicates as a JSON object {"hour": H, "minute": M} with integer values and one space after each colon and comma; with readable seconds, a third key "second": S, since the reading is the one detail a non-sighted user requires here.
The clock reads {"hour": 5, "minute": 20, "second": 21}
